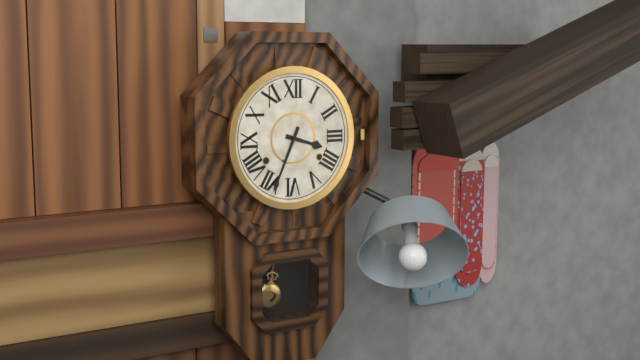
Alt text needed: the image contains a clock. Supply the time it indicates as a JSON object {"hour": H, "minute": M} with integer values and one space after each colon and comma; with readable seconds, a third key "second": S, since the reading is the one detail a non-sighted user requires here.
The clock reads {"hour": 3, "minute": 34}
